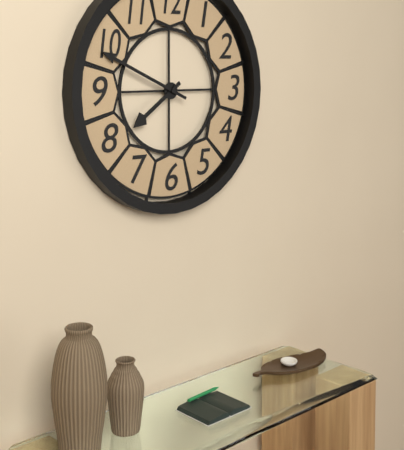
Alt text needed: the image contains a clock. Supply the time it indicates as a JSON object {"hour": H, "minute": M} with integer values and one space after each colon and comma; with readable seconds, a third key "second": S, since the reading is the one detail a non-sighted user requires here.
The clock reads {"hour": 7, "minute": 49}
